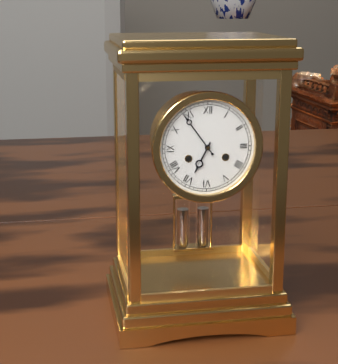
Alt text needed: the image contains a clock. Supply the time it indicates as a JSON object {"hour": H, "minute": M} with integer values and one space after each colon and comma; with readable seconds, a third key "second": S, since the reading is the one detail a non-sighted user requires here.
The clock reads {"hour": 6, "minute": 54}
